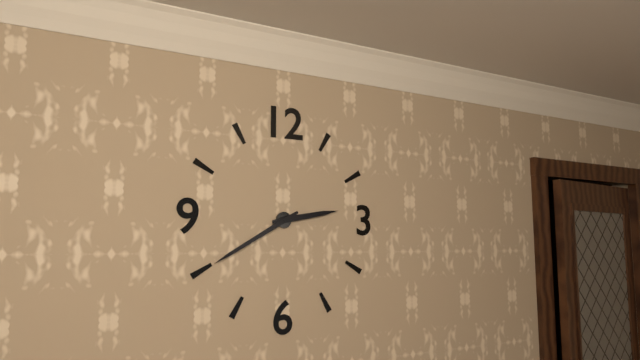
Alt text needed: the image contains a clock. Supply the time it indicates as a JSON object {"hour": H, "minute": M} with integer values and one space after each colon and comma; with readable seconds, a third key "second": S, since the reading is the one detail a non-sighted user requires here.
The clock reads {"hour": 2, "minute": 40}
